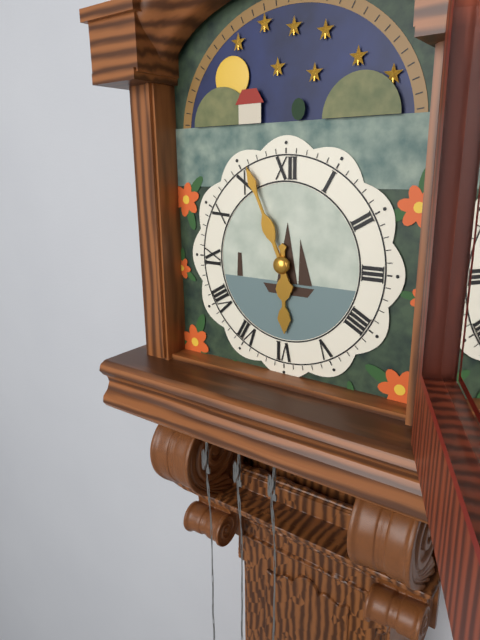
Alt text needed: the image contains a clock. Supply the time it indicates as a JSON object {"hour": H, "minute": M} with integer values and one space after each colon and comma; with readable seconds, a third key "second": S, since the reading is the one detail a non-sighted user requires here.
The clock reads {"hour": 5, "minute": 56}
